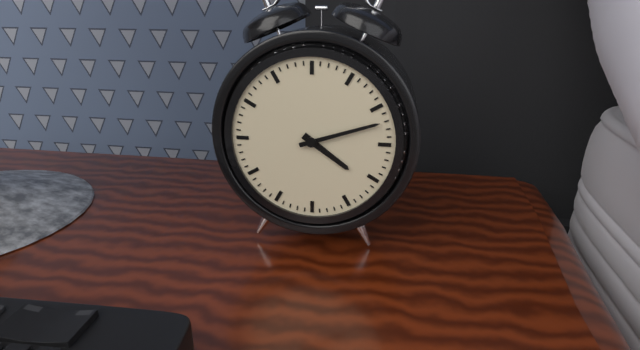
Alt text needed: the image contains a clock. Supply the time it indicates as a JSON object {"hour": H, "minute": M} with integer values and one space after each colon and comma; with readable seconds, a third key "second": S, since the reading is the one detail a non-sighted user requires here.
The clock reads {"hour": 4, "minute": 12}
